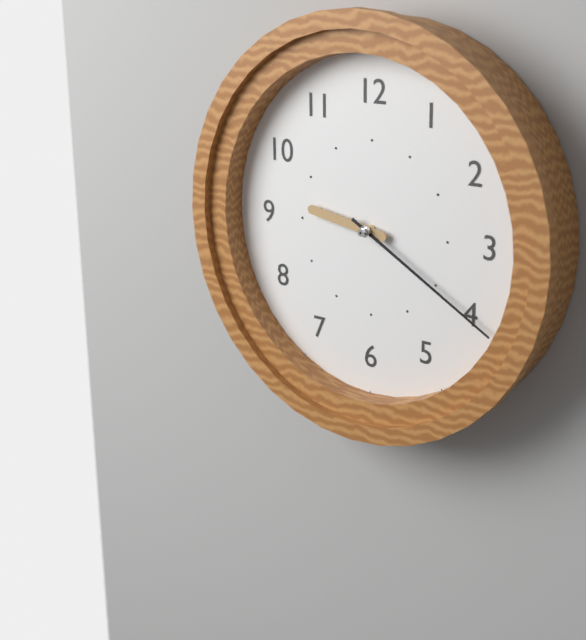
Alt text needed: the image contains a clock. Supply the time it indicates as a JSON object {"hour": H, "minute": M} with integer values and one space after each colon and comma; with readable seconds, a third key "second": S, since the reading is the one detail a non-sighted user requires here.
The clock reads {"hour": 9, "minute": 20}
